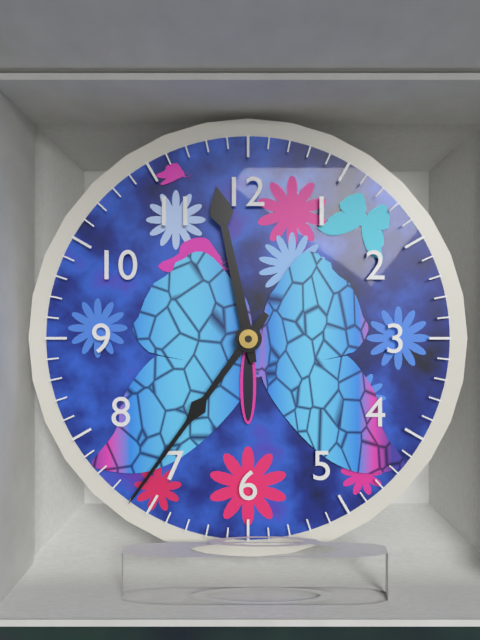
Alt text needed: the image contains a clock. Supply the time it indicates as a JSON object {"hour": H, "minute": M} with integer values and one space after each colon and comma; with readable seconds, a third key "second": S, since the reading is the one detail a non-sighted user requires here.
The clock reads {"hour": 11, "minute": 36}
